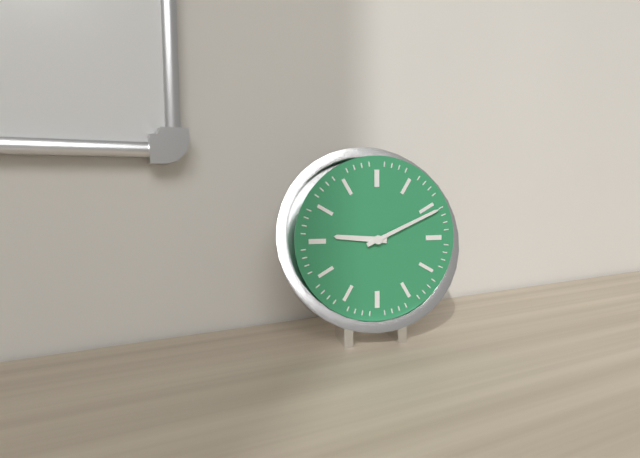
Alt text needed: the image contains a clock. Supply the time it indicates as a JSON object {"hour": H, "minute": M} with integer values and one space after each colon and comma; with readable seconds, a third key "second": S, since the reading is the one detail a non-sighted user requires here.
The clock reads {"hour": 9, "minute": 11}
